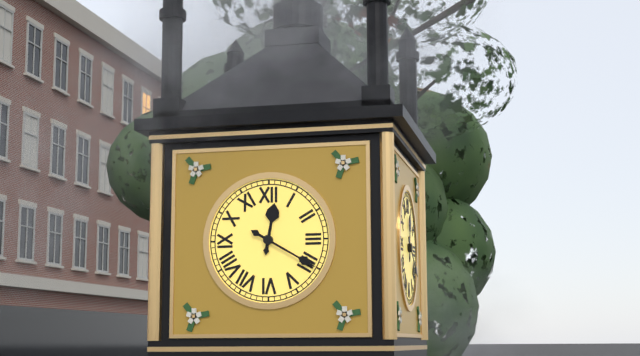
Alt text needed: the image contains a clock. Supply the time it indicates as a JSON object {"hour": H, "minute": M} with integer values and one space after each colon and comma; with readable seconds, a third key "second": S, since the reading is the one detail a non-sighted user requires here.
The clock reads {"hour": 12, "minute": 20}
